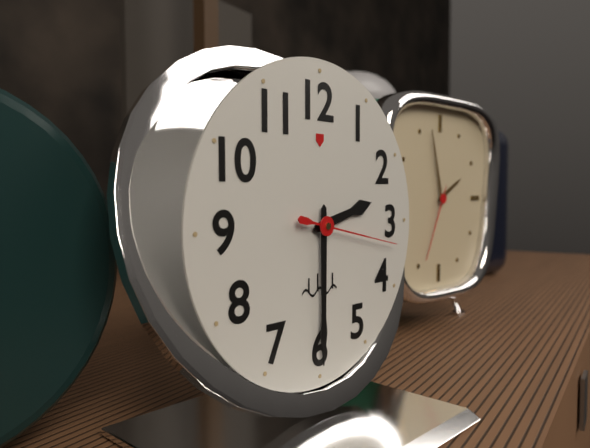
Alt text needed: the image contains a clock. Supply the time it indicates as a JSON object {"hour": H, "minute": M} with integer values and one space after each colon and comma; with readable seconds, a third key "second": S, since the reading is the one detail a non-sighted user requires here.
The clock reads {"hour": 2, "minute": 30, "second": 17}
